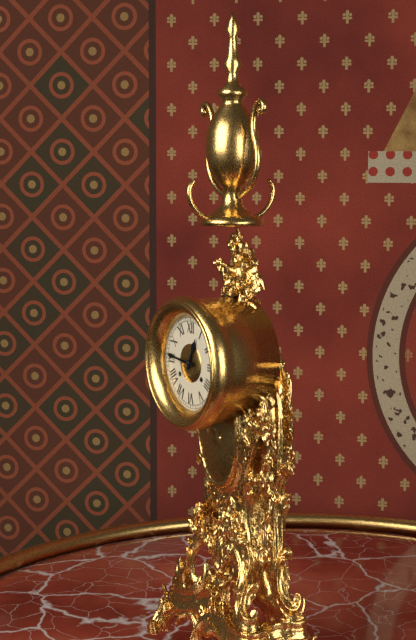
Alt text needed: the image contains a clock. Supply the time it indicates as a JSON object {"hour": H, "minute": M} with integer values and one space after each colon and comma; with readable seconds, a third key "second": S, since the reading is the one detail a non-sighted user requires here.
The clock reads {"hour": 12, "minute": 46}
